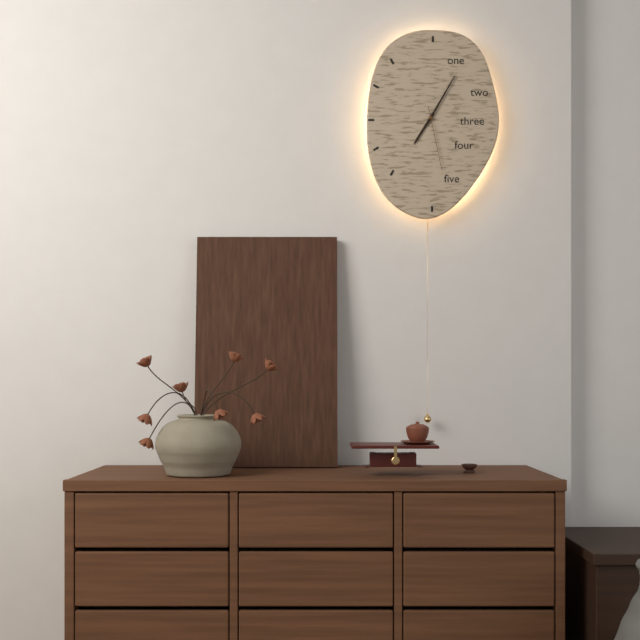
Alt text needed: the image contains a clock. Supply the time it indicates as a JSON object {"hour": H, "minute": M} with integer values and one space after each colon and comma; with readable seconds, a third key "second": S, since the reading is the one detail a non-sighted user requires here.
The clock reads {"hour": 7, "minute": 5, "second": 28}
